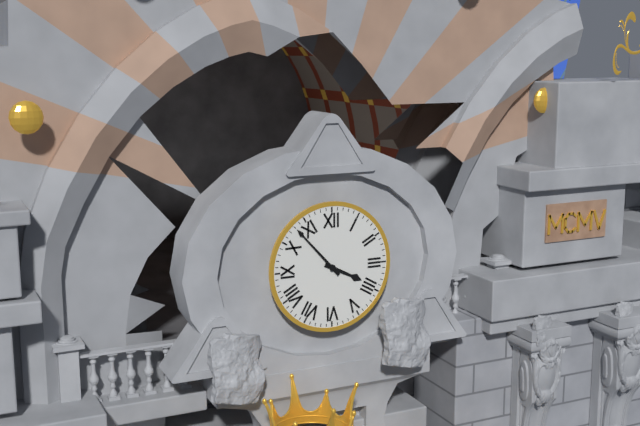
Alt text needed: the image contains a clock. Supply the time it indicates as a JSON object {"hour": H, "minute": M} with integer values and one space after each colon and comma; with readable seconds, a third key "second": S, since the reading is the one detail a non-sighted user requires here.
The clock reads {"hour": 3, "minute": 53}
